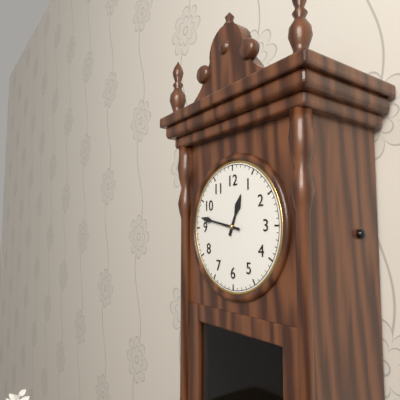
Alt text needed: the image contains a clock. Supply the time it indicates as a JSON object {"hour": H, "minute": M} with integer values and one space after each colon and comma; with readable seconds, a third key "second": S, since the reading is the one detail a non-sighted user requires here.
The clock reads {"hour": 12, "minute": 47}
